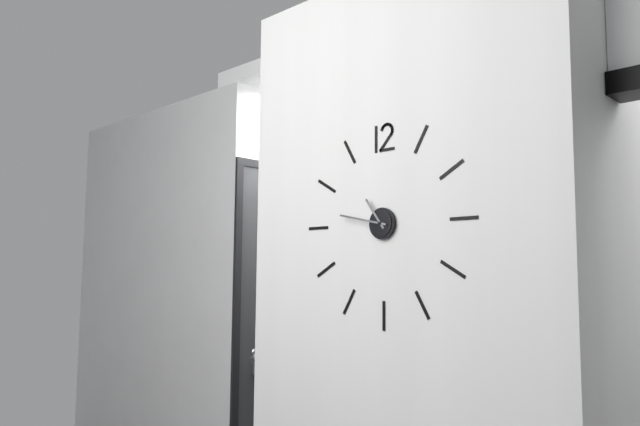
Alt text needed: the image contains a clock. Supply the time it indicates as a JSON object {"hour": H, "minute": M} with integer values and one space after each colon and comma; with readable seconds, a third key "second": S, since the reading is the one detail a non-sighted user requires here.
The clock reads {"hour": 10, "minute": 47}
